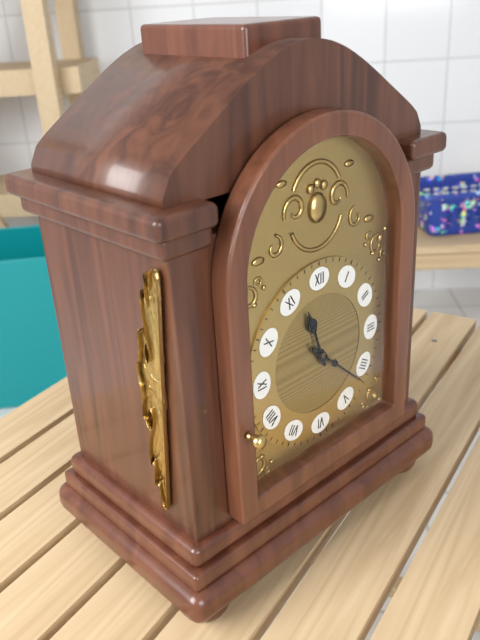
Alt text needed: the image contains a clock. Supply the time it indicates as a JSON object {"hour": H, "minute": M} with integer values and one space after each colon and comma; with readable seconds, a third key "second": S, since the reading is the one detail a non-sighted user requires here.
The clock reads {"hour": 11, "minute": 22}
